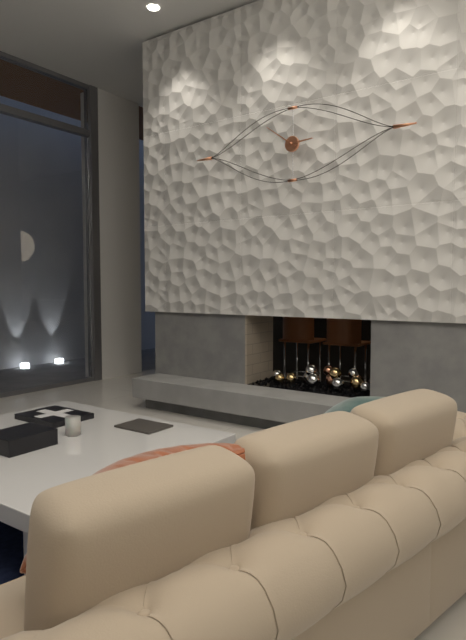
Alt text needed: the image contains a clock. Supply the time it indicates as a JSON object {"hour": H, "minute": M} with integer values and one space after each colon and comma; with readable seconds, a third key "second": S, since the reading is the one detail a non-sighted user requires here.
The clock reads {"hour": 2, "minute": 51}
